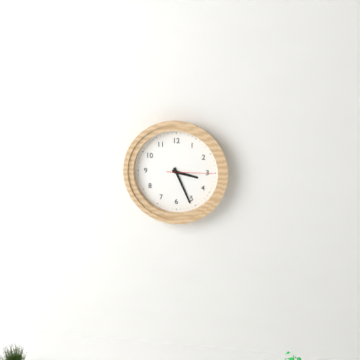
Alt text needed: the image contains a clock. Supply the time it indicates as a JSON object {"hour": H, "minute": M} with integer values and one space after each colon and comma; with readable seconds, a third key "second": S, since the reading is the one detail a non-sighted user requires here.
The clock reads {"hour": 3, "minute": 26}
